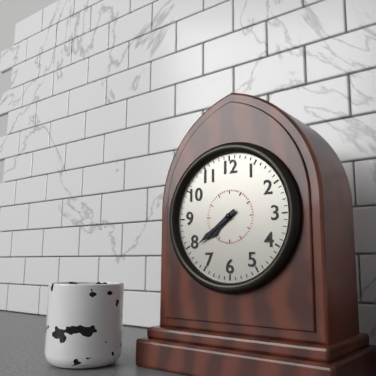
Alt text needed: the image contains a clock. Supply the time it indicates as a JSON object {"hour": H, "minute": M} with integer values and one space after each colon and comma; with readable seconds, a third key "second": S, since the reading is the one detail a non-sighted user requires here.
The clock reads {"hour": 7, "minute": 39}
